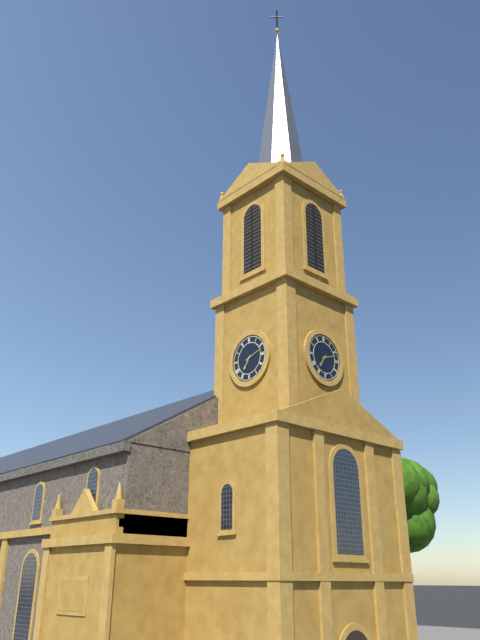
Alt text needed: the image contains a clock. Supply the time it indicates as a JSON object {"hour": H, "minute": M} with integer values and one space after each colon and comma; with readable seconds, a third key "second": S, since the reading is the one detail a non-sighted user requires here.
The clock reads {"hour": 7, "minute": 12}
